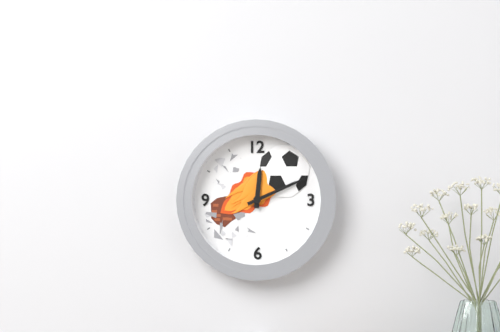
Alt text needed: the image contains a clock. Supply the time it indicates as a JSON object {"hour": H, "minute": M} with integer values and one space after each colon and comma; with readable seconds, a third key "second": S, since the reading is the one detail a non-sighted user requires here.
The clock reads {"hour": 12, "minute": 11}
